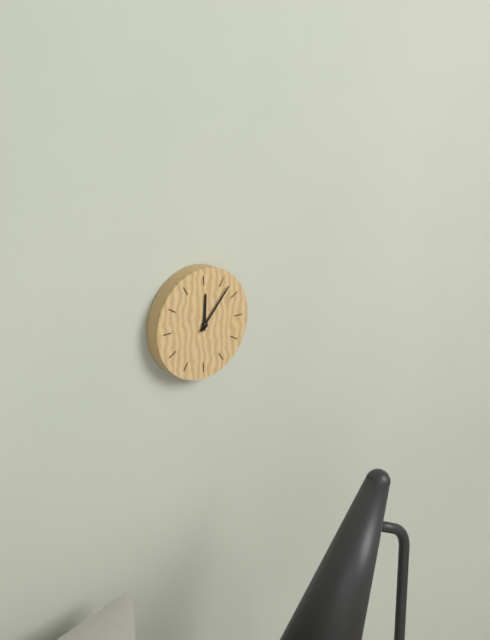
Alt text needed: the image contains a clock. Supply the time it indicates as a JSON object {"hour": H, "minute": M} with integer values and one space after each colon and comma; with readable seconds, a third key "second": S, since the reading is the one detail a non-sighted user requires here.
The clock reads {"hour": 12, "minute": 7}
